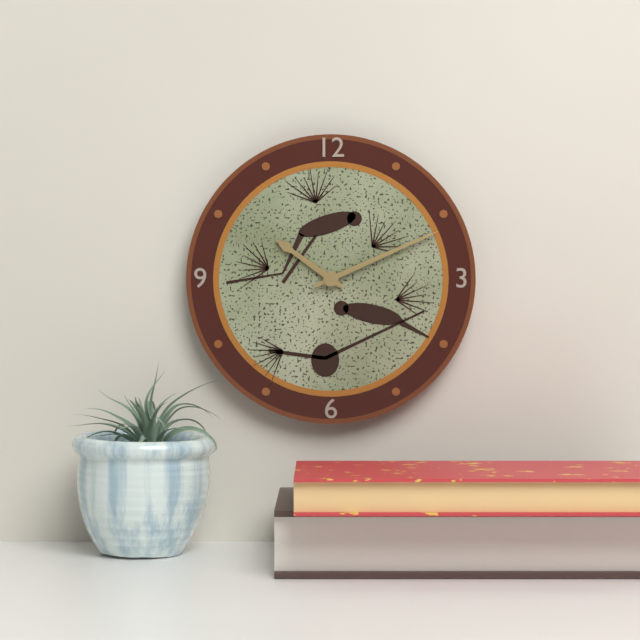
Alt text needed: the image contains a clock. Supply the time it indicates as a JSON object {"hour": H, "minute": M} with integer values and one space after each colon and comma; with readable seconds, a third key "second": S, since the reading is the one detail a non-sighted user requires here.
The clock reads {"hour": 10, "minute": 11}
